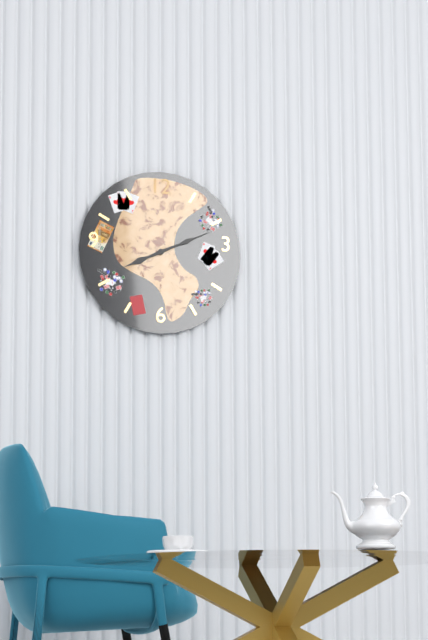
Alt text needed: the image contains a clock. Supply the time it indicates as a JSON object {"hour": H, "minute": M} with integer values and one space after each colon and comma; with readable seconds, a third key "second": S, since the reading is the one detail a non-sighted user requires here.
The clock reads {"hour": 8, "minute": 11}
